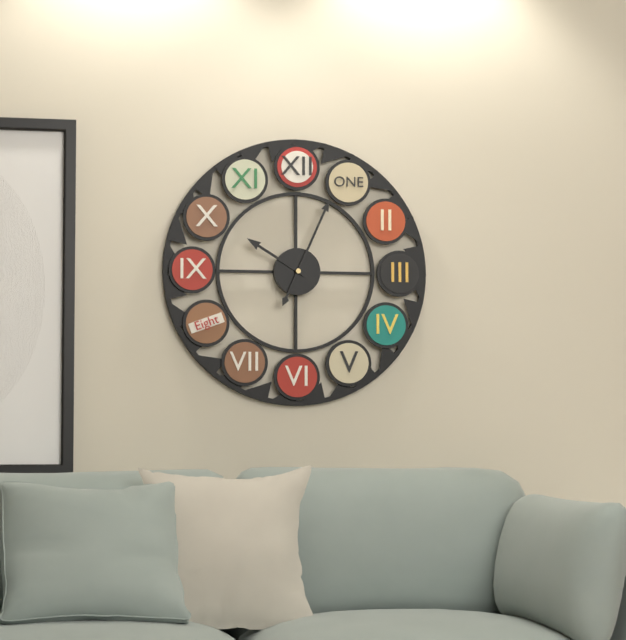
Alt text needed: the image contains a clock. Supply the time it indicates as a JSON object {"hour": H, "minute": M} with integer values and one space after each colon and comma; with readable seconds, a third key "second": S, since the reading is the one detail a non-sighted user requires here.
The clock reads {"hour": 10, "minute": 4}
